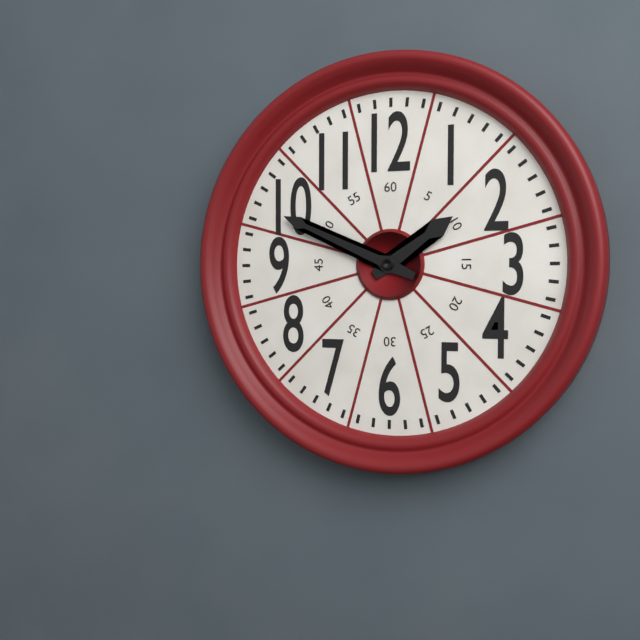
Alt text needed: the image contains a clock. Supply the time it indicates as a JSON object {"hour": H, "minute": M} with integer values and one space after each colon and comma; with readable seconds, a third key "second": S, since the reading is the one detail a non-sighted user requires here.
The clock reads {"hour": 1, "minute": 49}
